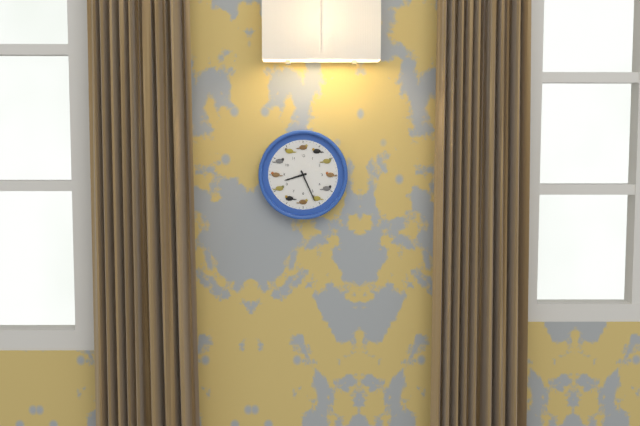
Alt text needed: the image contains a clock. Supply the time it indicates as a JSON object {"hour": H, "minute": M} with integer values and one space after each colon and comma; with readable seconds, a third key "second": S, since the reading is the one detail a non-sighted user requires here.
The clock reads {"hour": 8, "minute": 26}
